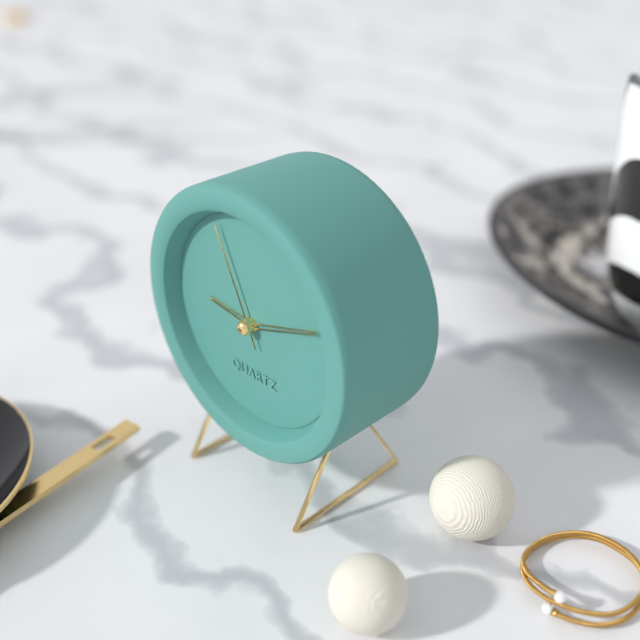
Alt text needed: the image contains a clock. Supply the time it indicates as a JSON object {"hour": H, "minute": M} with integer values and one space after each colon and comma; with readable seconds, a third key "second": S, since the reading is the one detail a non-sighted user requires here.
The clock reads {"hour": 9, "minute": 12, "second": 56}
